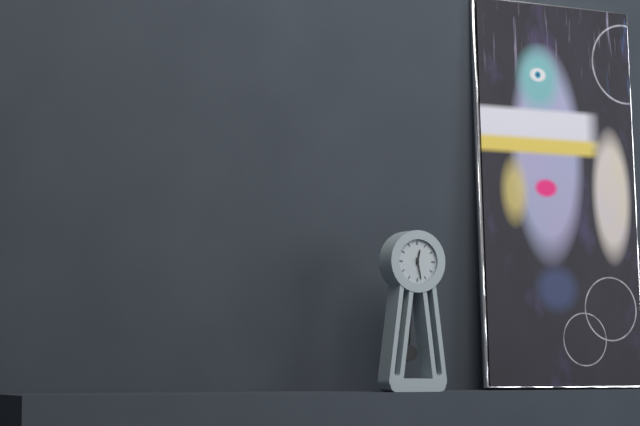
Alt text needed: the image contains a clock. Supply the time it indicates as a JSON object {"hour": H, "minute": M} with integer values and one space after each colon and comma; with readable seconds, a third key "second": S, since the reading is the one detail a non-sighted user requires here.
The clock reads {"hour": 12, "minute": 28}
